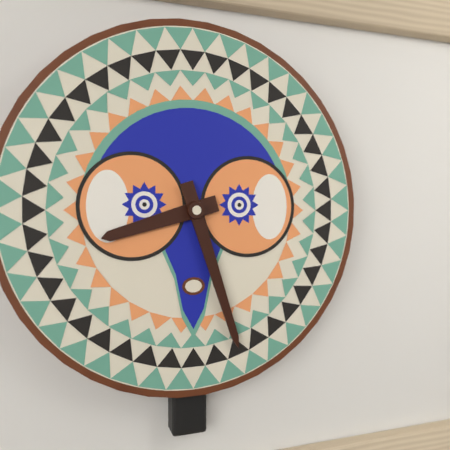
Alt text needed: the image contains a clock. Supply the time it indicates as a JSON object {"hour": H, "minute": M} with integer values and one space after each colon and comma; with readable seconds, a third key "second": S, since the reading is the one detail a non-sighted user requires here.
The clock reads {"hour": 8, "minute": 27}
